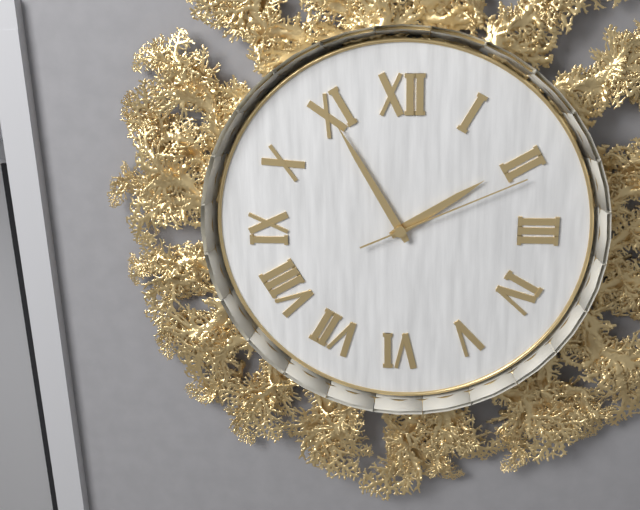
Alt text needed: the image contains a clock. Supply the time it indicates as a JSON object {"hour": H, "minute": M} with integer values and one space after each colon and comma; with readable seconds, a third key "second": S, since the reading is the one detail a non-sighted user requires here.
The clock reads {"hour": 1, "minute": 55, "second": 11}
